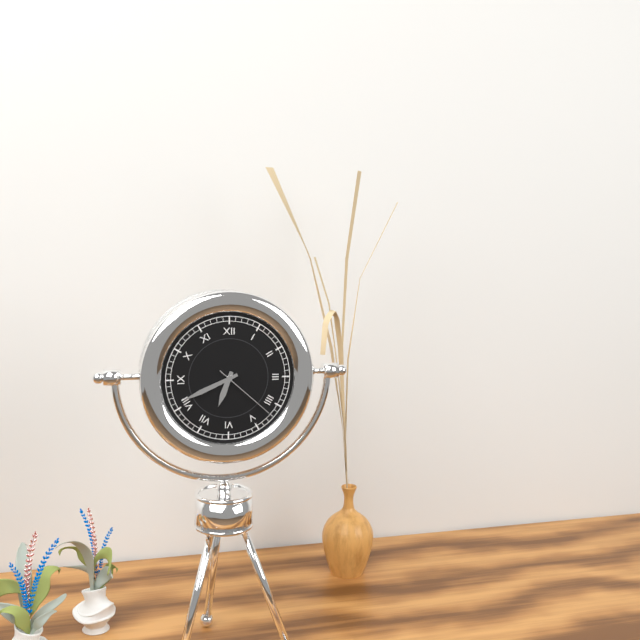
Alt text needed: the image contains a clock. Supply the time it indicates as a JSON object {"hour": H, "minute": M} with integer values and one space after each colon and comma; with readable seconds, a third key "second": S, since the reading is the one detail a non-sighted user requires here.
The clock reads {"hour": 6, "minute": 41, "second": 22}
